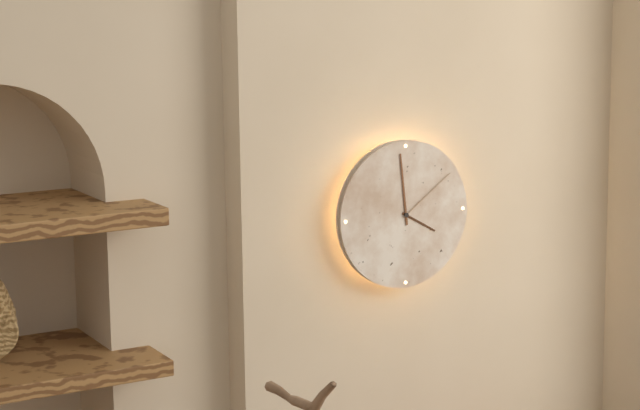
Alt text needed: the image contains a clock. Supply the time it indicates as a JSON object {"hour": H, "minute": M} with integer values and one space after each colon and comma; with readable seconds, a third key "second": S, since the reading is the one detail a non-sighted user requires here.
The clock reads {"hour": 3, "minute": 59, "second": 9}
